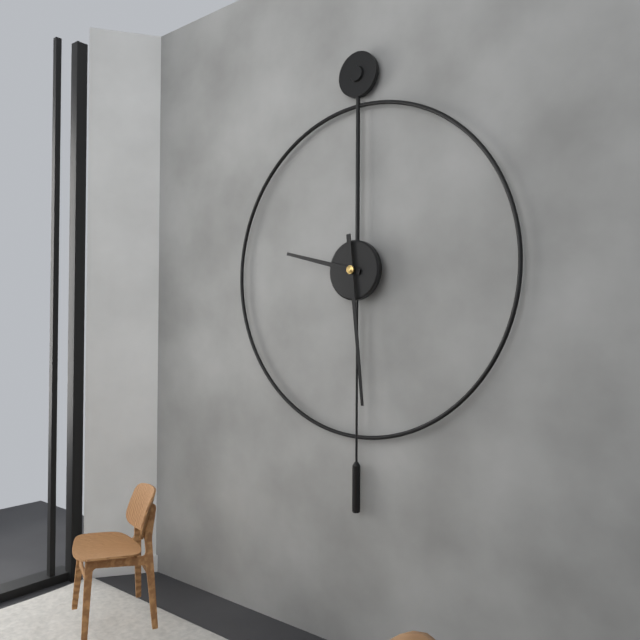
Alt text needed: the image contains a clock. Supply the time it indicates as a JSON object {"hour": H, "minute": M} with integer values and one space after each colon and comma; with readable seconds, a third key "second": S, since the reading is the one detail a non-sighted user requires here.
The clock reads {"hour": 9, "minute": 29}
